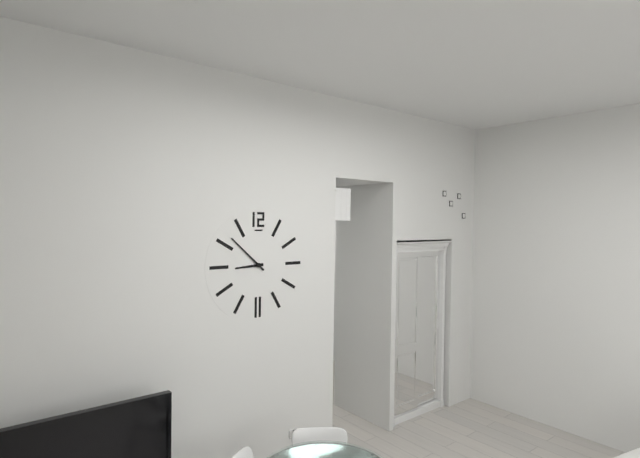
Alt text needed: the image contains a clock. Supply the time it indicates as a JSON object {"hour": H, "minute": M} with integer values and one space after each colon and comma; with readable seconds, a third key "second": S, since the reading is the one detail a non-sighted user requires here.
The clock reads {"hour": 8, "minute": 52}
